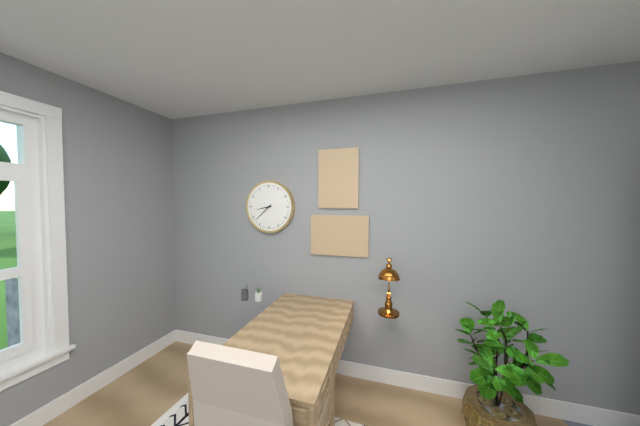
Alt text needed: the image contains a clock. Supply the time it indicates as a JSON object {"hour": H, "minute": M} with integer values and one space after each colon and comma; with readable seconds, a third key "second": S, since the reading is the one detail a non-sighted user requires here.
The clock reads {"hour": 8, "minute": 38}
